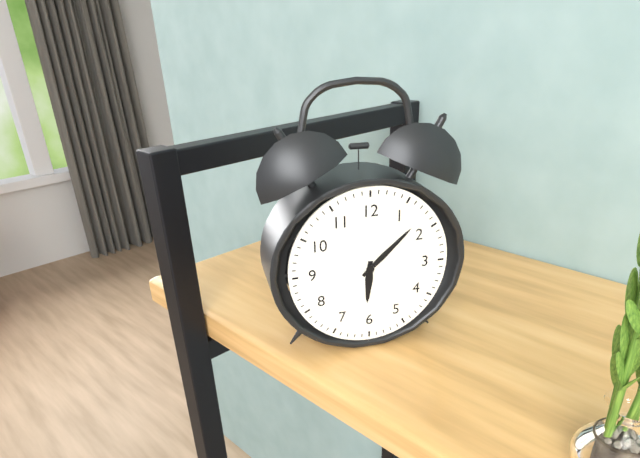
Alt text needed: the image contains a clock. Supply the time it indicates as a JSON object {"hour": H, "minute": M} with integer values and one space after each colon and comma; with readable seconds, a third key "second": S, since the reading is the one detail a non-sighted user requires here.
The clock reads {"hour": 6, "minute": 8}
